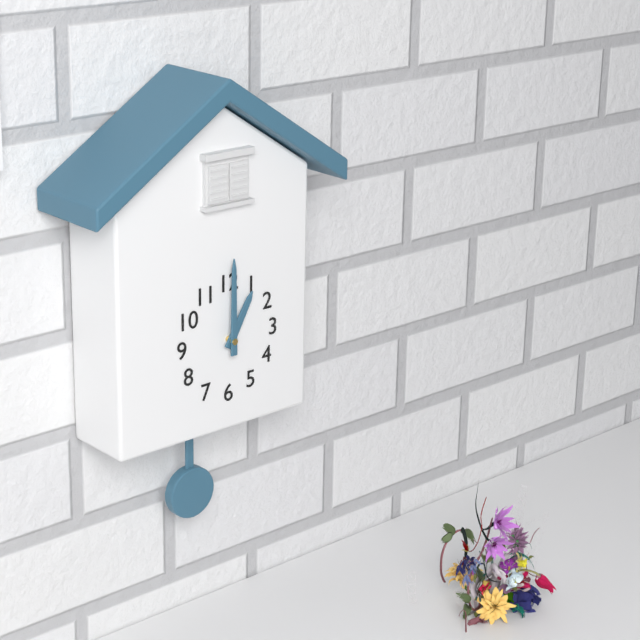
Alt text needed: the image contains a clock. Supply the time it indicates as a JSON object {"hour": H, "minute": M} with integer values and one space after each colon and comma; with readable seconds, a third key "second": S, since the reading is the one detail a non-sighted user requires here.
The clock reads {"hour": 1, "minute": 0}
